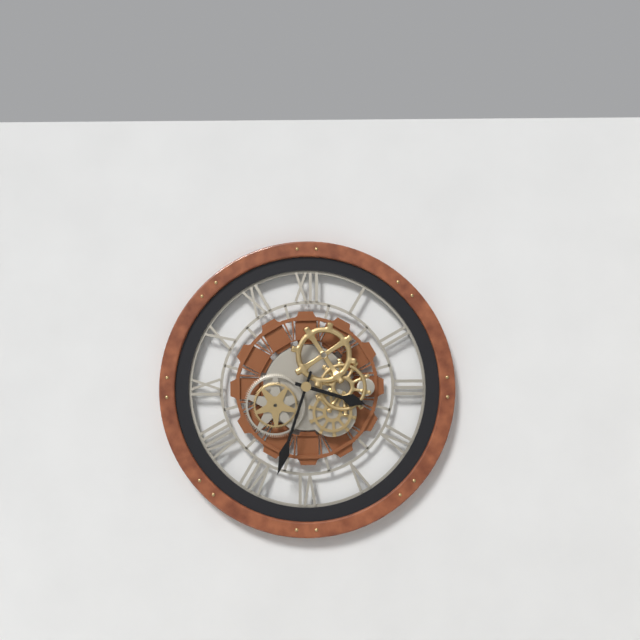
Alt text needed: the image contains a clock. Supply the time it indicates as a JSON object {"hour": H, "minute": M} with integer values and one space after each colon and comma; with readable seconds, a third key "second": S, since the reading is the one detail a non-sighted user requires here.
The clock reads {"hour": 3, "minute": 33}
